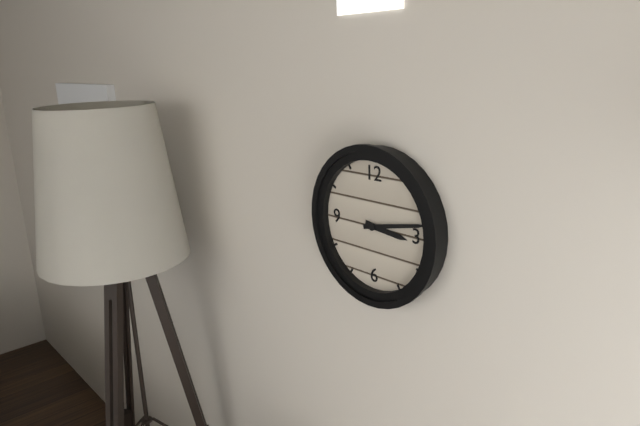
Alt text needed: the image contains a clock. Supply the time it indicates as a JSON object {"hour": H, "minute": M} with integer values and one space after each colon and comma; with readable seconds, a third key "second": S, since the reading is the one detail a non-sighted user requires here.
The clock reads {"hour": 3, "minute": 13}
